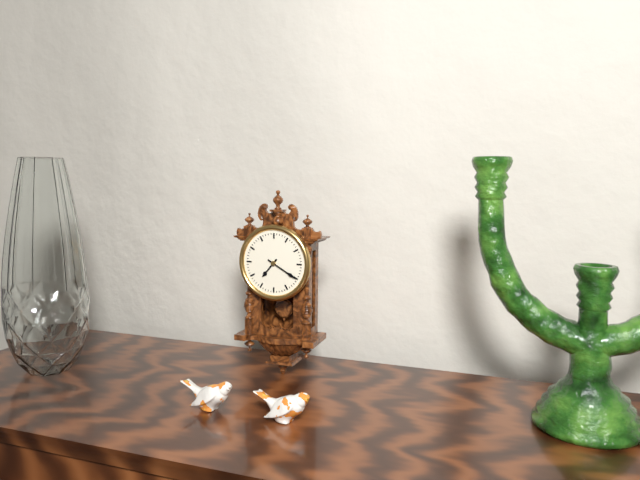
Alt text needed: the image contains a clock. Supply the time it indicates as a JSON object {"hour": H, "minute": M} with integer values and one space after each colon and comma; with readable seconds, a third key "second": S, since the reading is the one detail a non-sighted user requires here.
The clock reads {"hour": 7, "minute": 20}
